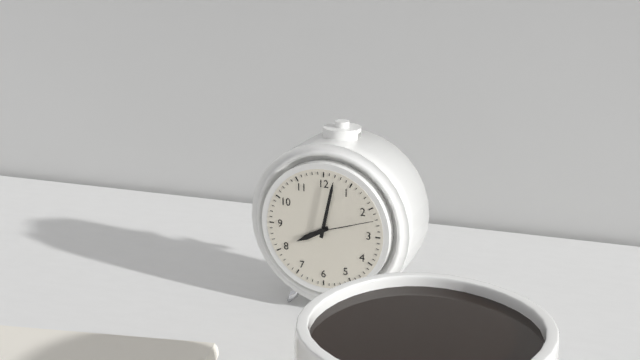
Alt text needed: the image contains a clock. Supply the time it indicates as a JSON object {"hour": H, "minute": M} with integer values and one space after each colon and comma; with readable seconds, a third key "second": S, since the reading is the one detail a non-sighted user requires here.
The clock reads {"hour": 8, "minute": 2, "second": 12}
